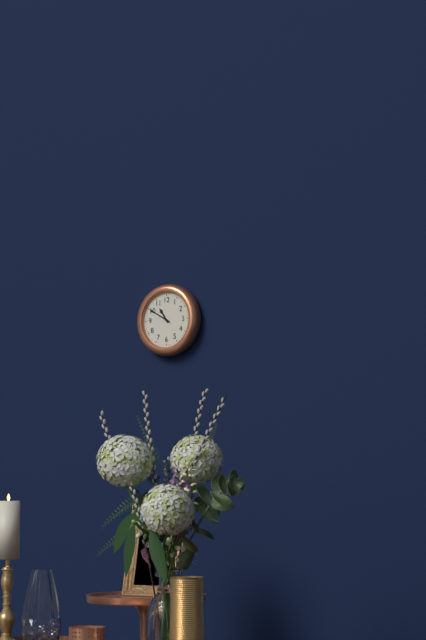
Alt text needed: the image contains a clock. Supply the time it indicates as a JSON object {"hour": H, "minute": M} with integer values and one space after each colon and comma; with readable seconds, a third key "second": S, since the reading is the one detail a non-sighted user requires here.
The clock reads {"hour": 10, "minute": 50}
